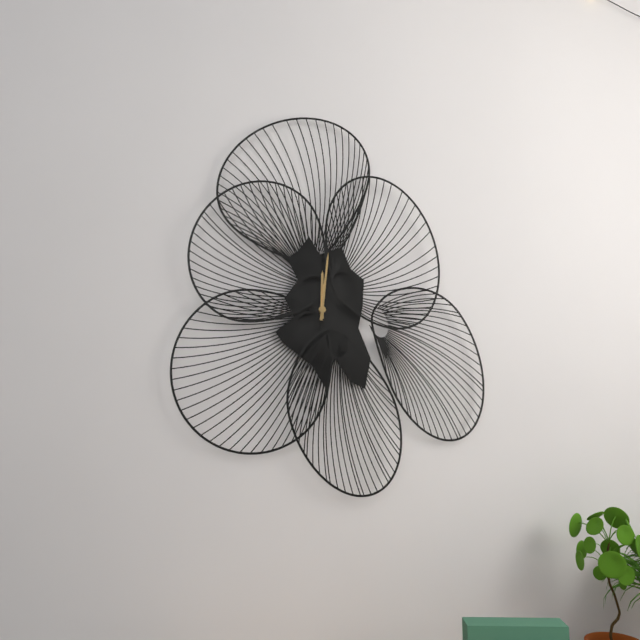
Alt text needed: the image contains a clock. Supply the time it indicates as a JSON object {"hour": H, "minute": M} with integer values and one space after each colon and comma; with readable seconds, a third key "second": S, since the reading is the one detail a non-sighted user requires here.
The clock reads {"hour": 12, "minute": 1}
